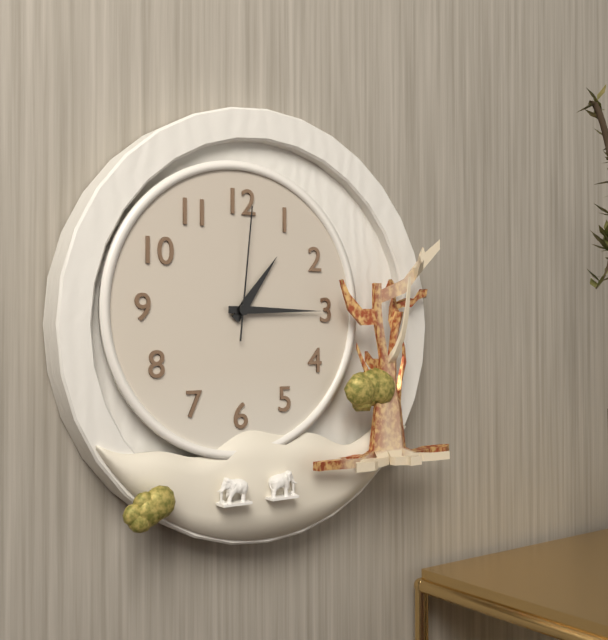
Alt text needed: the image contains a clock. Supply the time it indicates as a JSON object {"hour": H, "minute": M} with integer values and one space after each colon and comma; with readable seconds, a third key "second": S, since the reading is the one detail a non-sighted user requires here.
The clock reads {"hour": 1, "minute": 15, "second": 1}
